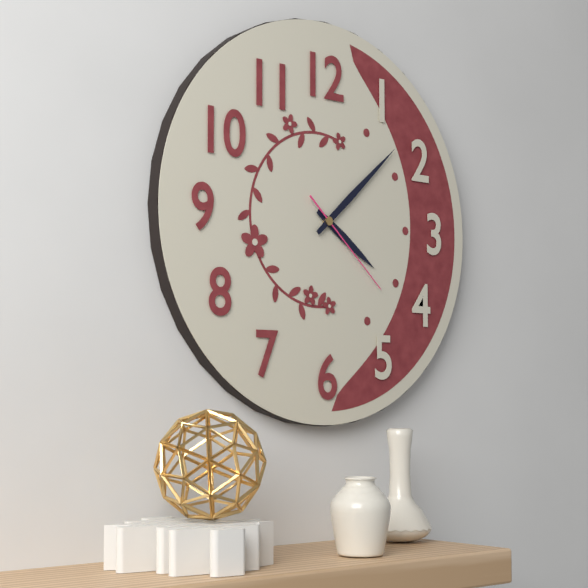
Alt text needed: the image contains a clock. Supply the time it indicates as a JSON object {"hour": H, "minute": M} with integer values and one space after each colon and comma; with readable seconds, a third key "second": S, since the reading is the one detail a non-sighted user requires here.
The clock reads {"hour": 4, "minute": 8, "second": 22}
